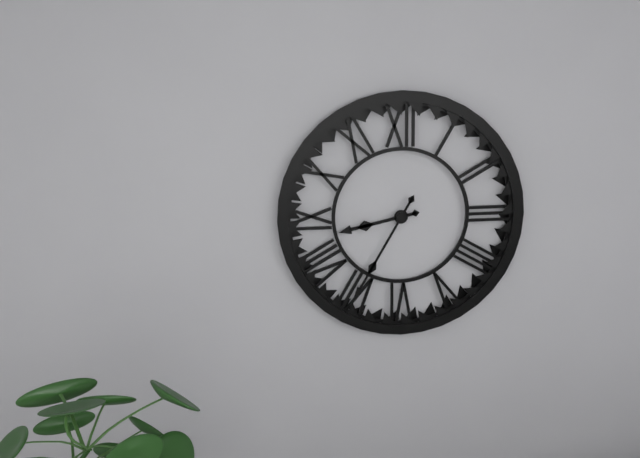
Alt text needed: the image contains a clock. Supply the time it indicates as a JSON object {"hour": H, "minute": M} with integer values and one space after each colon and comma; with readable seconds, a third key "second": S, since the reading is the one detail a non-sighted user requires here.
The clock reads {"hour": 8, "minute": 35}
